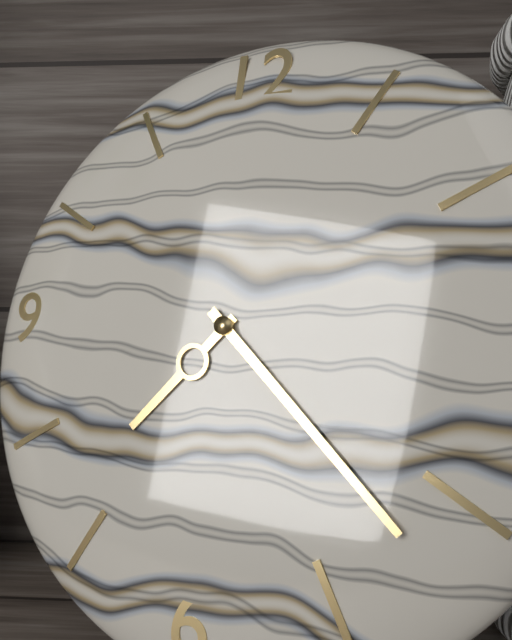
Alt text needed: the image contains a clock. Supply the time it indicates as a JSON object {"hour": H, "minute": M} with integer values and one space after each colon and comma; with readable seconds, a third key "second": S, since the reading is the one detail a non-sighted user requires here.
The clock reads {"hour": 7, "minute": 22}
